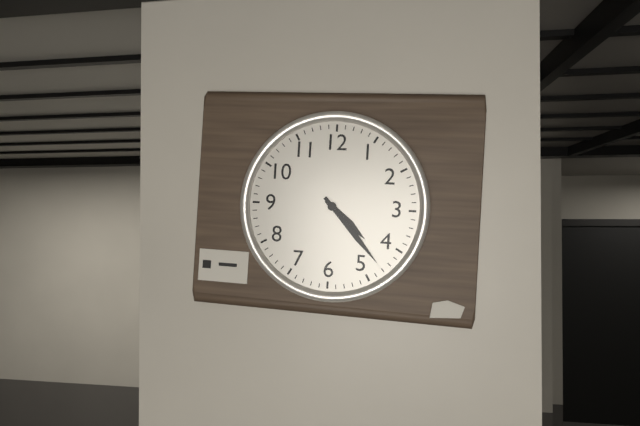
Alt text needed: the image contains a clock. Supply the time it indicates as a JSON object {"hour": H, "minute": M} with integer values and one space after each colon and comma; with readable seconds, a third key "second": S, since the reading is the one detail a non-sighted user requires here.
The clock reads {"hour": 4, "minute": 23}
